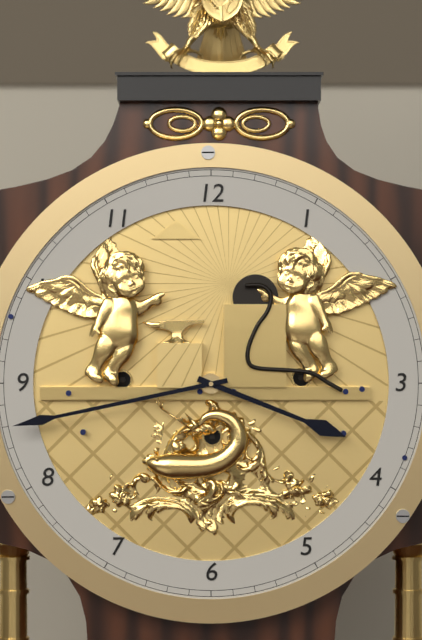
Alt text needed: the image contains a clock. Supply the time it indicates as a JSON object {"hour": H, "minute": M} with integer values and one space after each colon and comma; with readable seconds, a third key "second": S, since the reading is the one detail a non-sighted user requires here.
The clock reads {"hour": 3, "minute": 43}
